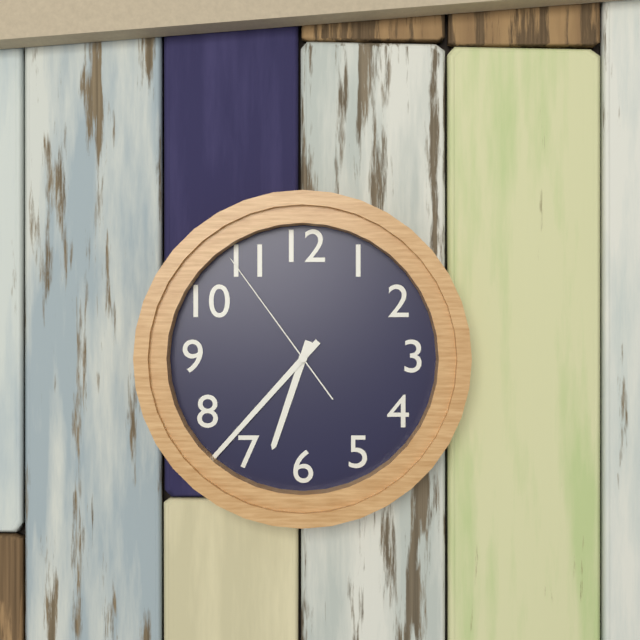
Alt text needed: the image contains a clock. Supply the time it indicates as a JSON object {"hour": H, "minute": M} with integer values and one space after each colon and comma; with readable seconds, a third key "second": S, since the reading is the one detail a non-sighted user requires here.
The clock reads {"hour": 6, "minute": 37, "second": 54}
